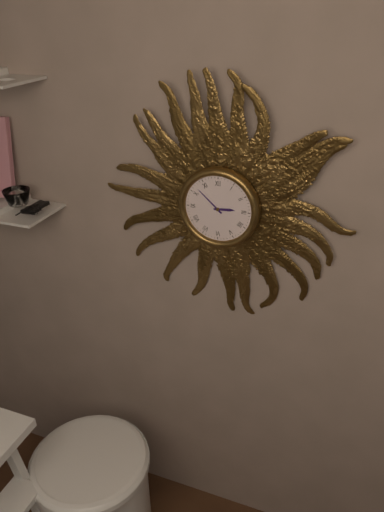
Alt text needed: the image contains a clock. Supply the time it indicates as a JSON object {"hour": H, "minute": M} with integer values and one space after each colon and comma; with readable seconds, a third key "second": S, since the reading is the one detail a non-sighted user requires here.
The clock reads {"hour": 2, "minute": 52}
